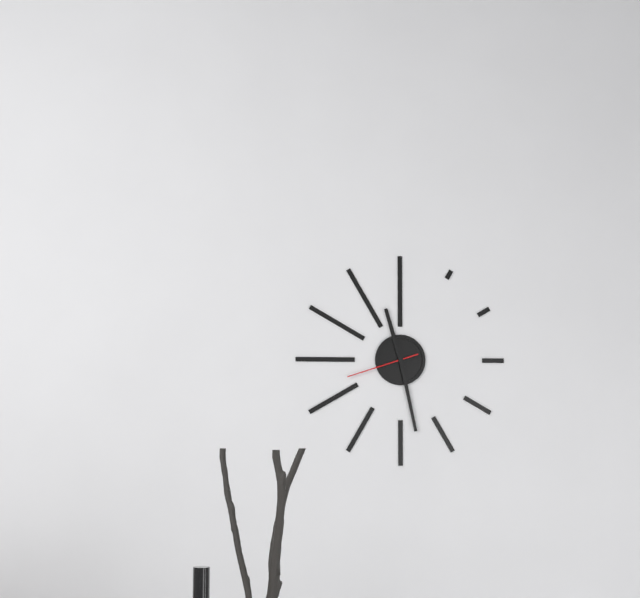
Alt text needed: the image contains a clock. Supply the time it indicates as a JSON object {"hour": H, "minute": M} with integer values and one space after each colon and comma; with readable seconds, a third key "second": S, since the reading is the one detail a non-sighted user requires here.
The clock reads {"hour": 11, "minute": 28, "second": 42}
